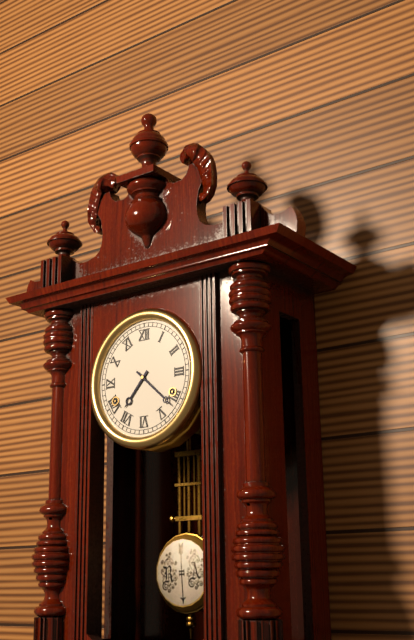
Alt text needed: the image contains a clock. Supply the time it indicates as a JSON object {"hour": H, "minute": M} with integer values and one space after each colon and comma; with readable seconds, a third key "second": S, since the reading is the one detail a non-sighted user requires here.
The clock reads {"hour": 7, "minute": 22}
